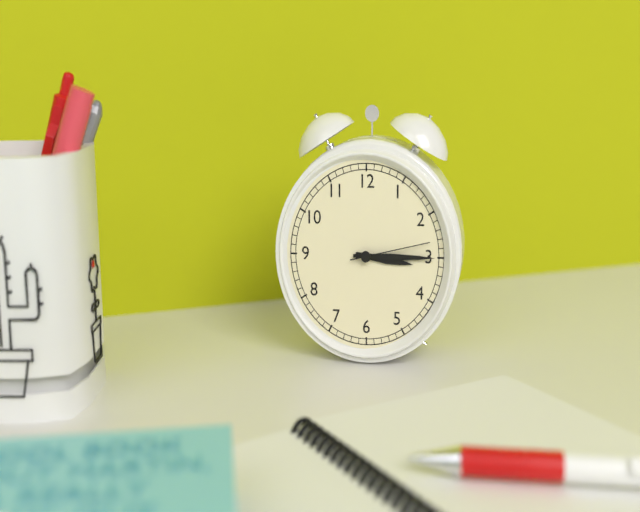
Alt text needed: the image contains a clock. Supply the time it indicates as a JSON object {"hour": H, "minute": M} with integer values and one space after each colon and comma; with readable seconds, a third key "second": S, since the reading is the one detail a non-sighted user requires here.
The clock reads {"hour": 3, "minute": 15, "second": 13}
